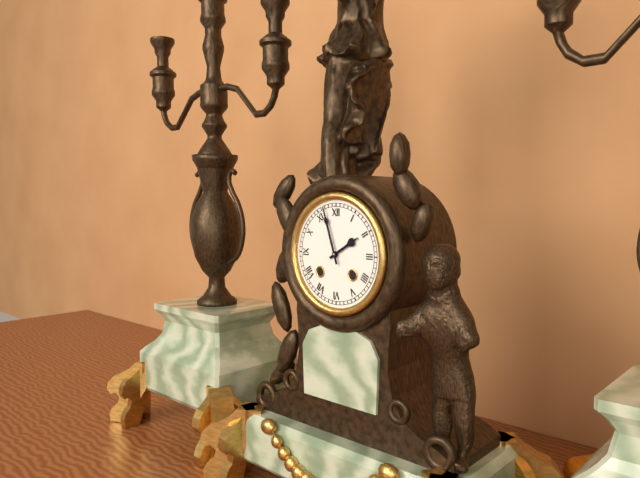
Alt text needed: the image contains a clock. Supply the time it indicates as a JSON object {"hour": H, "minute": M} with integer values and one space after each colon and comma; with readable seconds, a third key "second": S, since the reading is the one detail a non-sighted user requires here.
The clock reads {"hour": 1, "minute": 57}
